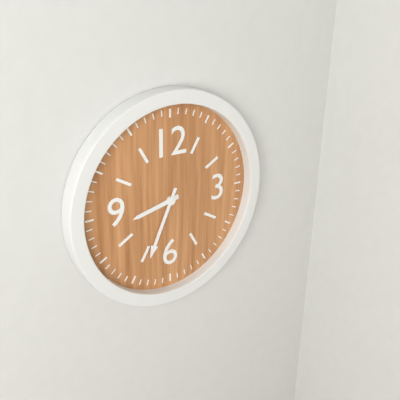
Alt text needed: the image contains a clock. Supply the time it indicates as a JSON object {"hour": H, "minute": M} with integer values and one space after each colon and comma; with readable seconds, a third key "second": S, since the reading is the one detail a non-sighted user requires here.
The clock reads {"hour": 8, "minute": 34}
